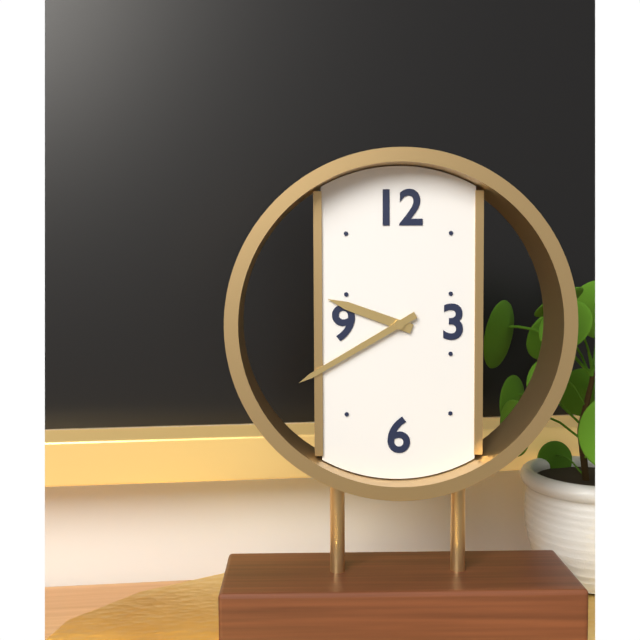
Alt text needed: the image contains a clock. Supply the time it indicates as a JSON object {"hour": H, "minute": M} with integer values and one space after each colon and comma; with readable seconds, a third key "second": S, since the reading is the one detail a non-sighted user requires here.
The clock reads {"hour": 9, "minute": 40}
